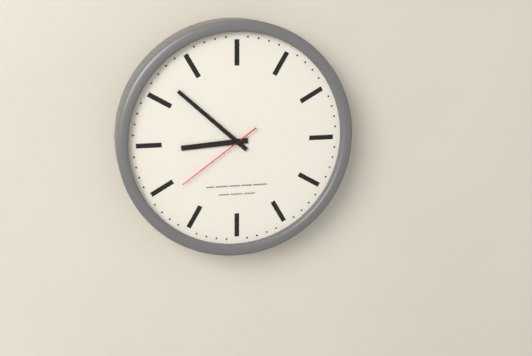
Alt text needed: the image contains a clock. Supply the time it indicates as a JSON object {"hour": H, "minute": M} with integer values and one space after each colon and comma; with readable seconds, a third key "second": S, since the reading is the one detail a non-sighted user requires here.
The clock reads {"hour": 8, "minute": 52, "second": 39}
